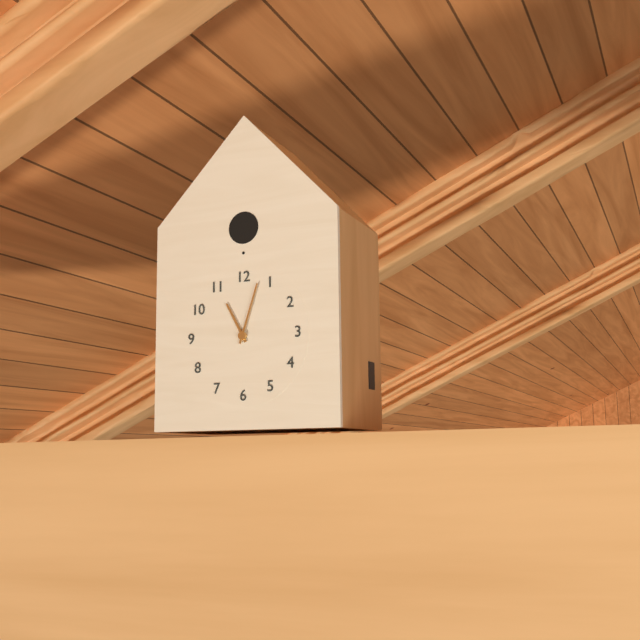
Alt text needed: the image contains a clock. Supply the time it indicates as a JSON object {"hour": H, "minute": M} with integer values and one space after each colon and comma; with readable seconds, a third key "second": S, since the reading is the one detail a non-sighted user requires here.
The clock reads {"hour": 11, "minute": 3}
